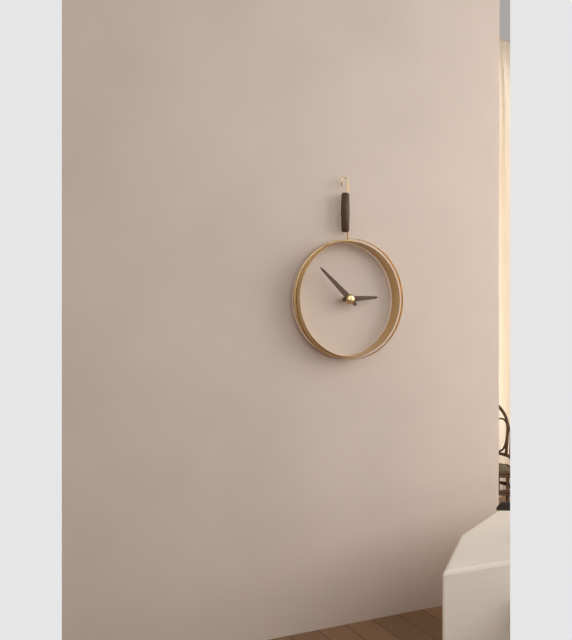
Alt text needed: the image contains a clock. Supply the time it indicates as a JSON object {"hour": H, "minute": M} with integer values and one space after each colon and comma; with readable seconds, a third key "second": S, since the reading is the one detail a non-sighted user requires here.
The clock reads {"hour": 2, "minute": 52}
